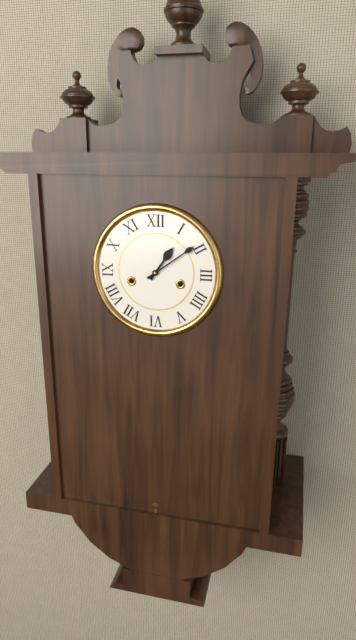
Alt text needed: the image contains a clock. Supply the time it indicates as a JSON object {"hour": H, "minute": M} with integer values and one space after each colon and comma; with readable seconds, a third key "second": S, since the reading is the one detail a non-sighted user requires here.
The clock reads {"hour": 1, "minute": 9}
